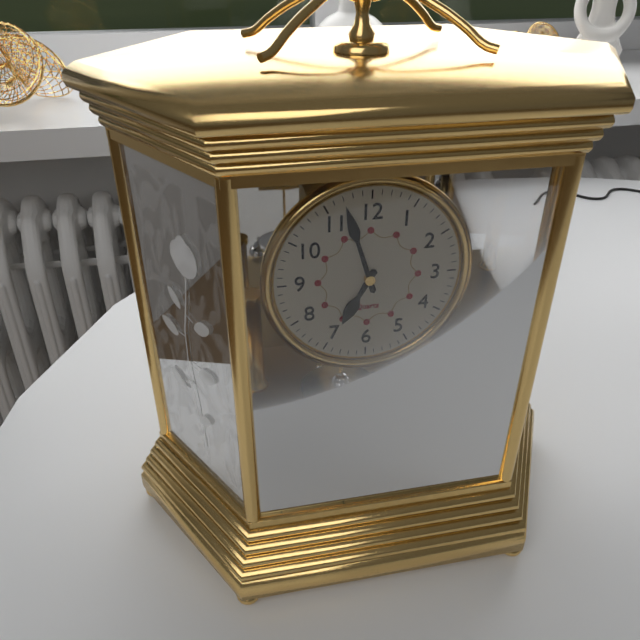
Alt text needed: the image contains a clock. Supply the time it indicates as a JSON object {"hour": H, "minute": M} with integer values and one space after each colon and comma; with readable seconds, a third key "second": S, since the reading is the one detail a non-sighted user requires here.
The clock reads {"hour": 6, "minute": 57}
